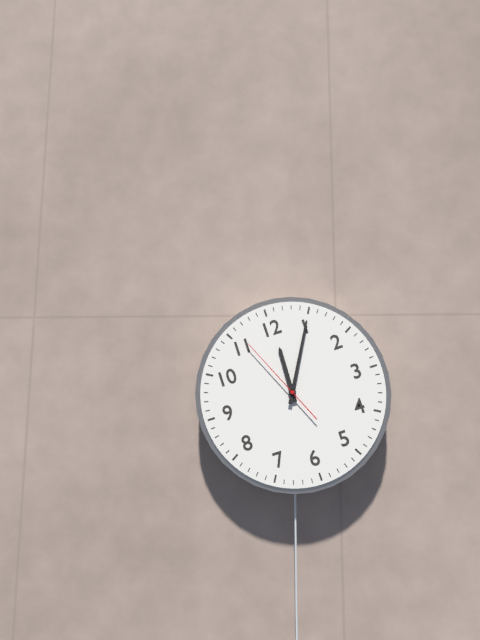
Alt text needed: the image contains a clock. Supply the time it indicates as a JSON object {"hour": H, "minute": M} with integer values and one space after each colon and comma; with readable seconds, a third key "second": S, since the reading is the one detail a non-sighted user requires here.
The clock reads {"hour": 12, "minute": 5, "second": 56}
